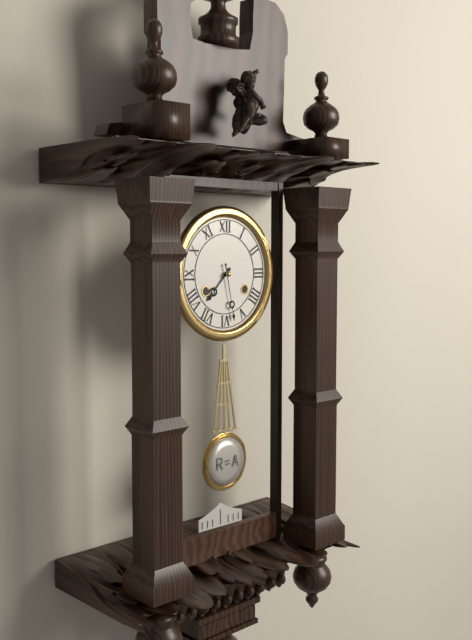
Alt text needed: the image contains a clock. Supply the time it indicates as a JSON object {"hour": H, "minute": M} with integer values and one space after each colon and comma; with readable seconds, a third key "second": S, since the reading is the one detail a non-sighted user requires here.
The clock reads {"hour": 7, "minute": 28}
